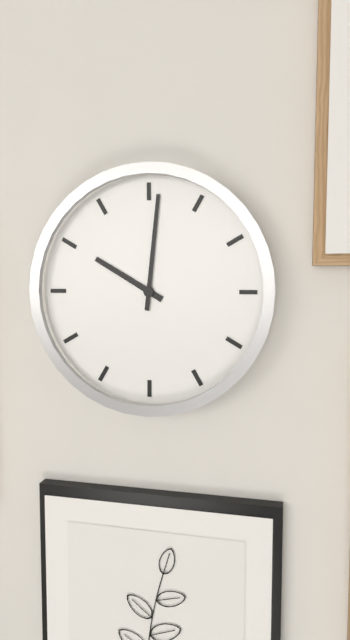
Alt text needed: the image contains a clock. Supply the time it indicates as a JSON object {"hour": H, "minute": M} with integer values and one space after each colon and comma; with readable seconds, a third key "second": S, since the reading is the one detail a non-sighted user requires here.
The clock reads {"hour": 10, "minute": 1}
